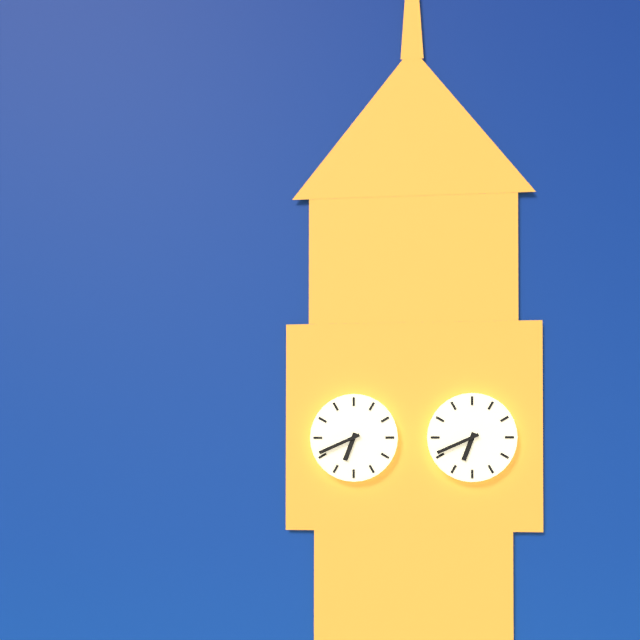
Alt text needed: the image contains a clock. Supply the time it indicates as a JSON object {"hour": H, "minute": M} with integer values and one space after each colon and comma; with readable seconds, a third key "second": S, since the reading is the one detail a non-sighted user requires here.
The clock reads {"hour": 6, "minute": 41}
